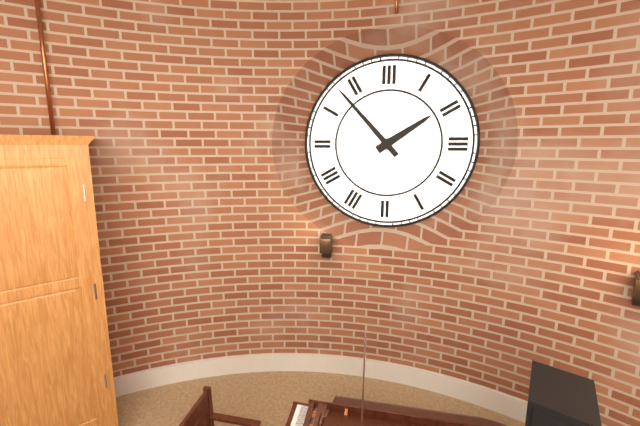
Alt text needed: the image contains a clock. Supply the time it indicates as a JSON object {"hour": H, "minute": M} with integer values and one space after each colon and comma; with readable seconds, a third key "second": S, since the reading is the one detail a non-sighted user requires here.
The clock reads {"hour": 1, "minute": 53}
